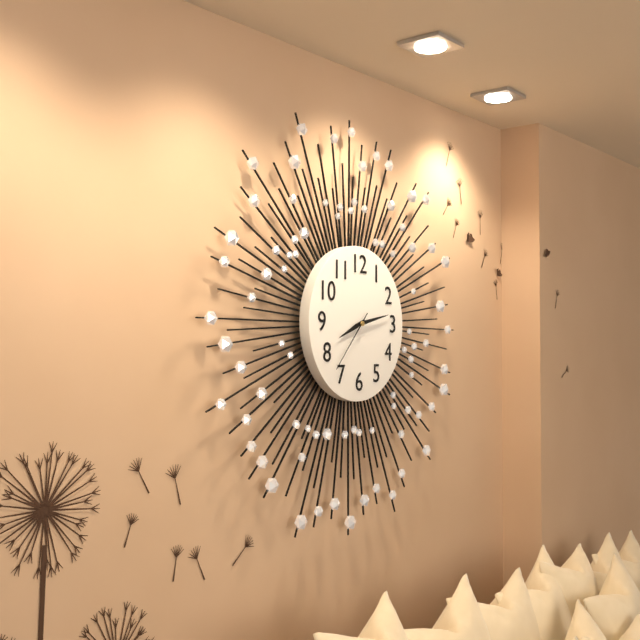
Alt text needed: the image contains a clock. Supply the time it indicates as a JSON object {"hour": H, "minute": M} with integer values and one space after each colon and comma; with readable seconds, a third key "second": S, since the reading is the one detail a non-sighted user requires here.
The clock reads {"hour": 8, "minute": 13, "second": 37}
